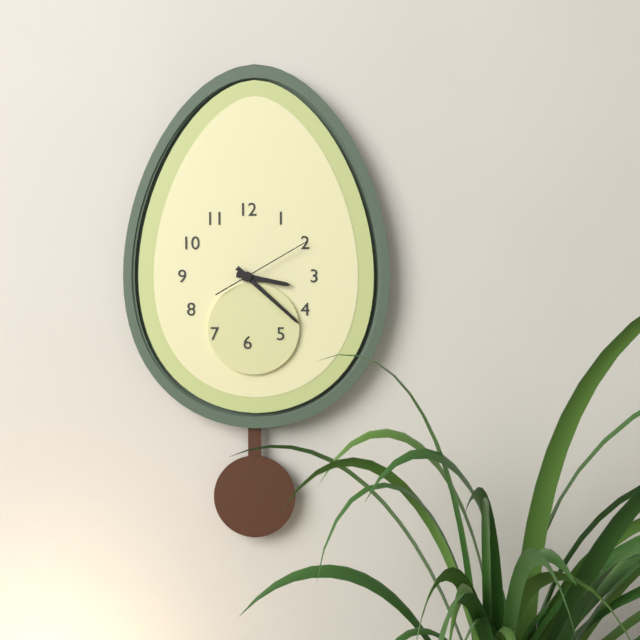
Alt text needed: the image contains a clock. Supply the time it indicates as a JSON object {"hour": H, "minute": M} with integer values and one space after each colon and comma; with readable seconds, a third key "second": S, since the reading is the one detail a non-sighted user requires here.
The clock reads {"hour": 3, "minute": 22, "second": 10}
